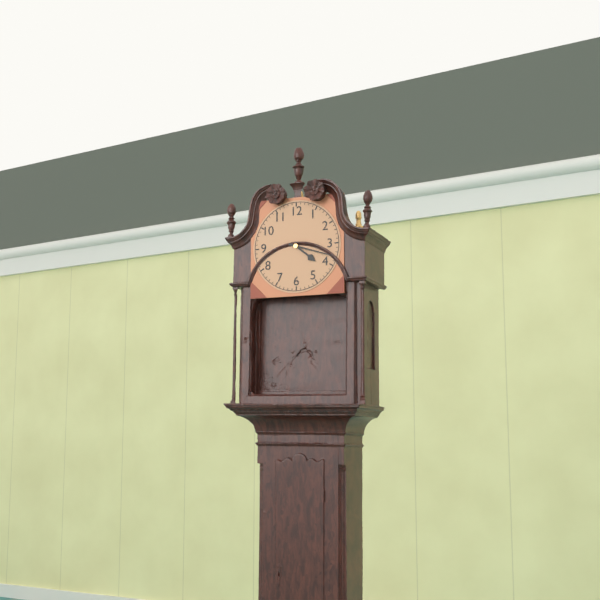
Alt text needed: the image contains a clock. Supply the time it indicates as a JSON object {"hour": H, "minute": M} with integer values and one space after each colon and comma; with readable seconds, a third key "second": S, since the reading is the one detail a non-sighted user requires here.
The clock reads {"hour": 4, "minute": 18}
